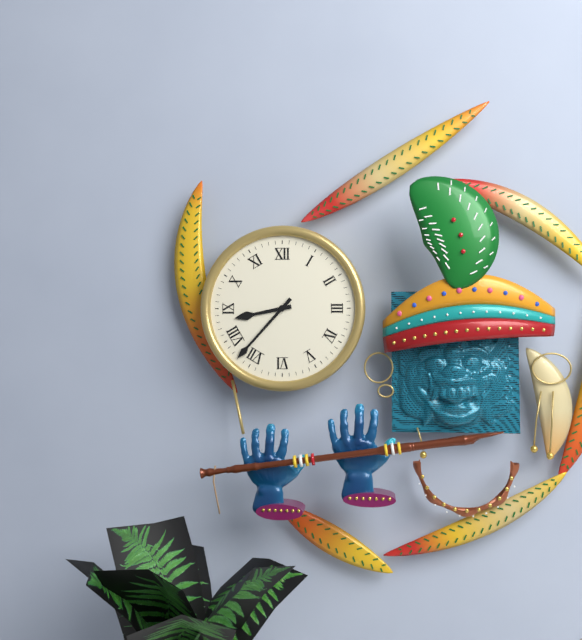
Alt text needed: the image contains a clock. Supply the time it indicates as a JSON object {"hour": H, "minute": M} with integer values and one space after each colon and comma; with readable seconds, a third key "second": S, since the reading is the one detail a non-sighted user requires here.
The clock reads {"hour": 8, "minute": 37}
